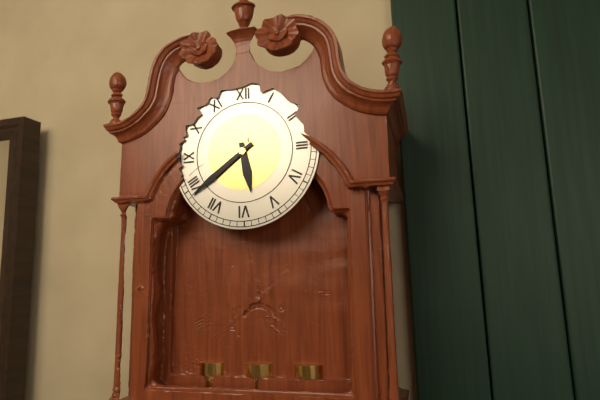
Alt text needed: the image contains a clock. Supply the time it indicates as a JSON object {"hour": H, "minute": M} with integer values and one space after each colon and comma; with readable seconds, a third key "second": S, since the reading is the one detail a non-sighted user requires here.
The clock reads {"hour": 5, "minute": 39}
